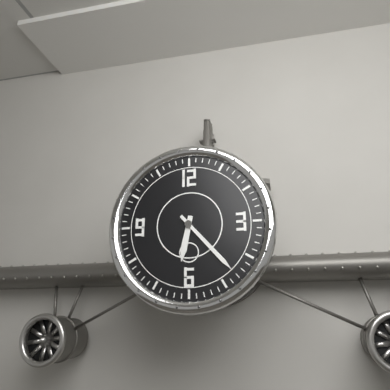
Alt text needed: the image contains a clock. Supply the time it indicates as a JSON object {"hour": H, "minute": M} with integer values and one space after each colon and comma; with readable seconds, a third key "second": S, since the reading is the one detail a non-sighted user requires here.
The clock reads {"hour": 6, "minute": 23}
